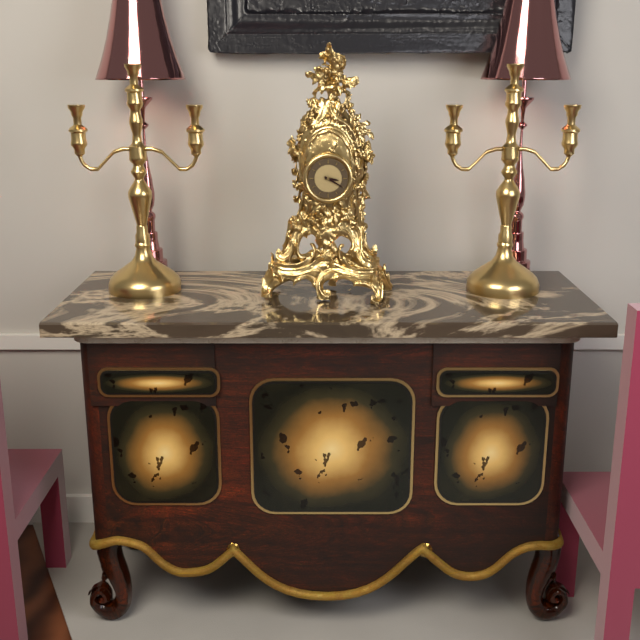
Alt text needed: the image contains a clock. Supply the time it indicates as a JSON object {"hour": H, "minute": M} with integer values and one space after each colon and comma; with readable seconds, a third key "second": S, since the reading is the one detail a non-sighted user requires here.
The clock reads {"hour": 3, "minute": 20}
